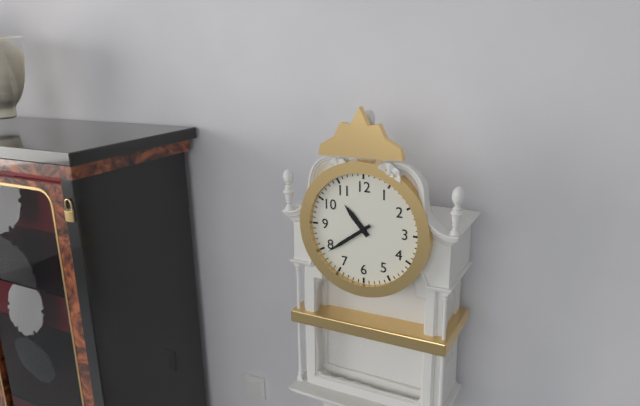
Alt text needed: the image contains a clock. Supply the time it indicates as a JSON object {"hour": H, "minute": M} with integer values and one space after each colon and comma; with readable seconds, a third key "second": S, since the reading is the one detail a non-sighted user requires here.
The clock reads {"hour": 10, "minute": 39}
